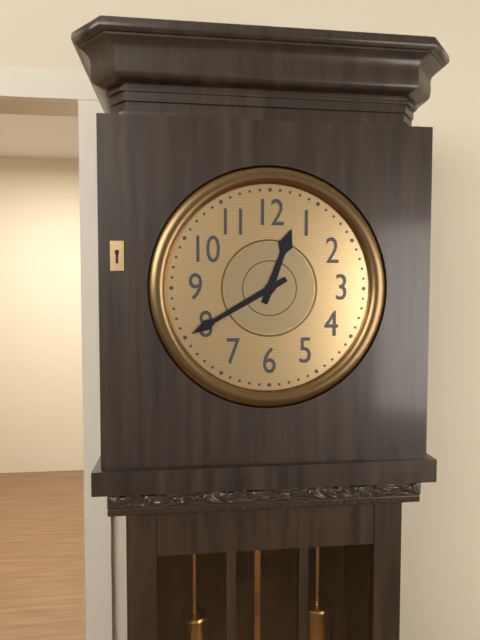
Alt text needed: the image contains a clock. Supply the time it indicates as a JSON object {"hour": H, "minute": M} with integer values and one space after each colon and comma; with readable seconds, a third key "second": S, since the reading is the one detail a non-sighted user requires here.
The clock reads {"hour": 12, "minute": 40}
